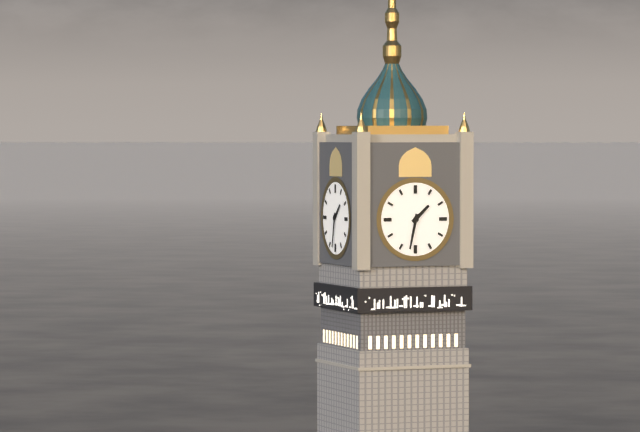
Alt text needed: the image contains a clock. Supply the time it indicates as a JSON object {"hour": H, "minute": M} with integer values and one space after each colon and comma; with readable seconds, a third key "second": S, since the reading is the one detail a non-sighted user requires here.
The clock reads {"hour": 1, "minute": 32}
